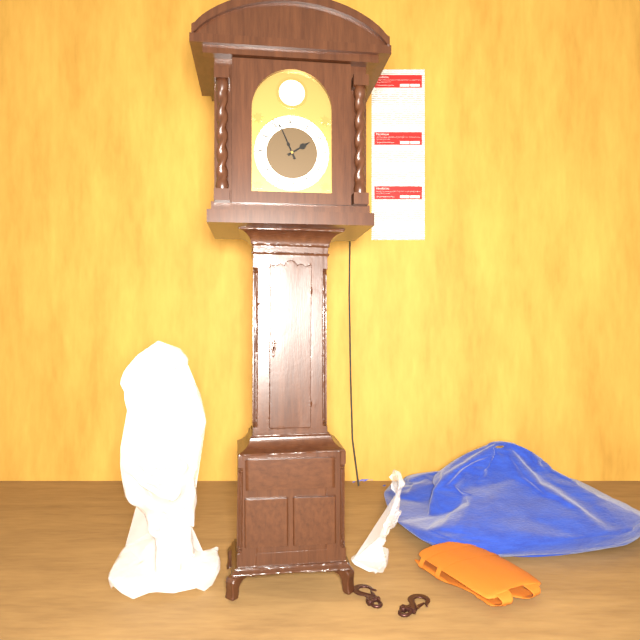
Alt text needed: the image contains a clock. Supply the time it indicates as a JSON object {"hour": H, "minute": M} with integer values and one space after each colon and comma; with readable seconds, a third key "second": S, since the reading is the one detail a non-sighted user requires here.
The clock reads {"hour": 1, "minute": 56}
